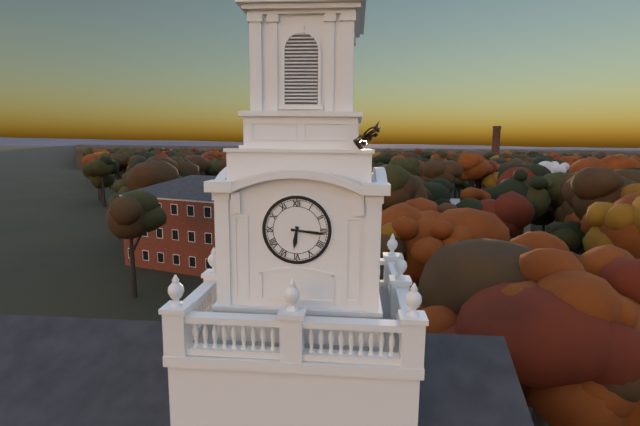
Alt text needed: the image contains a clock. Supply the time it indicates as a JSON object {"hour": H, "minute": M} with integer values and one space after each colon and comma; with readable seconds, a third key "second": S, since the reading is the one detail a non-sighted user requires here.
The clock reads {"hour": 6, "minute": 16}
